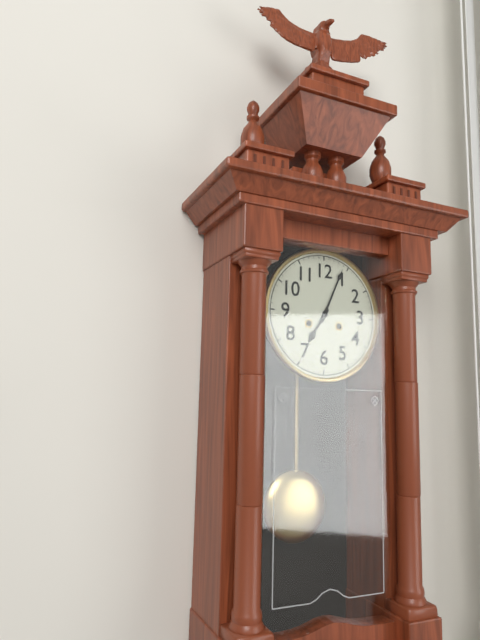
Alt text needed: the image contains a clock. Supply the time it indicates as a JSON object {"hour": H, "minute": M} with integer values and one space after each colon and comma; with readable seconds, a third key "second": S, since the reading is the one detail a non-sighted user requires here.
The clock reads {"hour": 7, "minute": 4}
